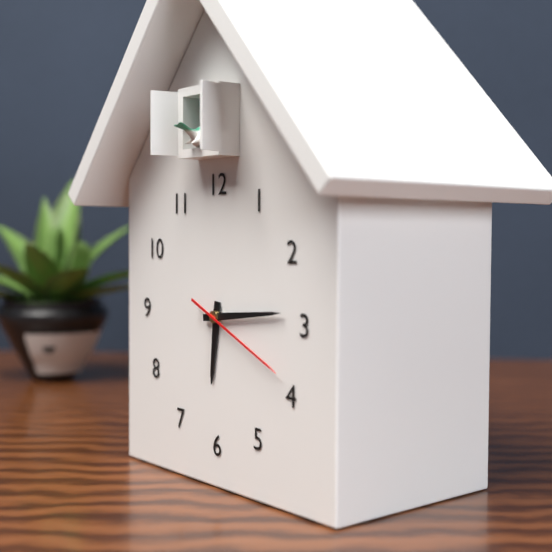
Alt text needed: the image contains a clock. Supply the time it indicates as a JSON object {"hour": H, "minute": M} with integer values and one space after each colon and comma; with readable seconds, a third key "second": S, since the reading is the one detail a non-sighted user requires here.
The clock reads {"hour": 6, "minute": 14, "second": 19}
